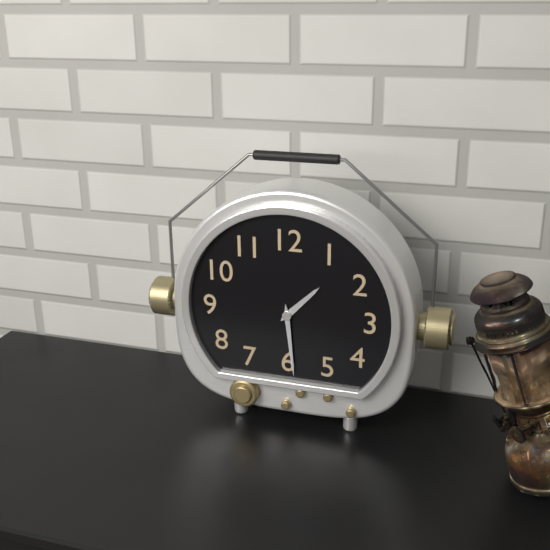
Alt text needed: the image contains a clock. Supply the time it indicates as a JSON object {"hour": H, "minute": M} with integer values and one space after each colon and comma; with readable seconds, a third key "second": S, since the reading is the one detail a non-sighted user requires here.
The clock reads {"hour": 1, "minute": 29}
